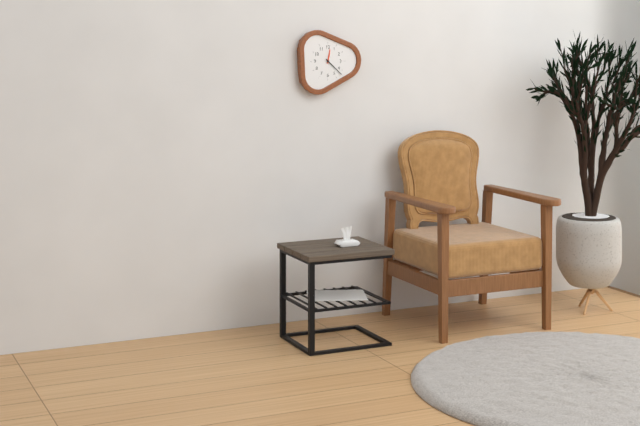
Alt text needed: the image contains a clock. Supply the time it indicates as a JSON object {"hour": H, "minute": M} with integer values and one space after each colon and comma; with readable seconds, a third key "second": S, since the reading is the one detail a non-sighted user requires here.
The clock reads {"hour": 12, "minute": 22}
